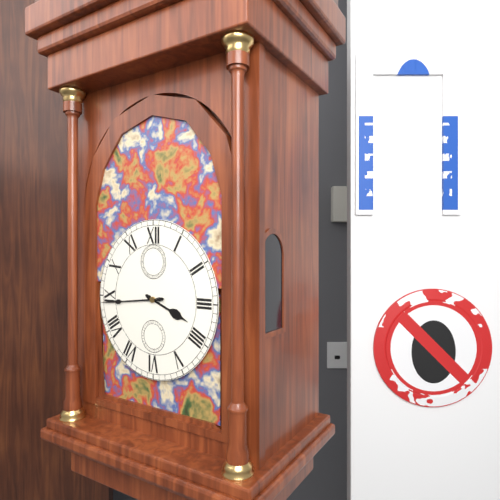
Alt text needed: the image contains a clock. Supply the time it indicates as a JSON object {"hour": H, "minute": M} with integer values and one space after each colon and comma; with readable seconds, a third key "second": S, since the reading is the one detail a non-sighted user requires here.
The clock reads {"hour": 3, "minute": 44}
